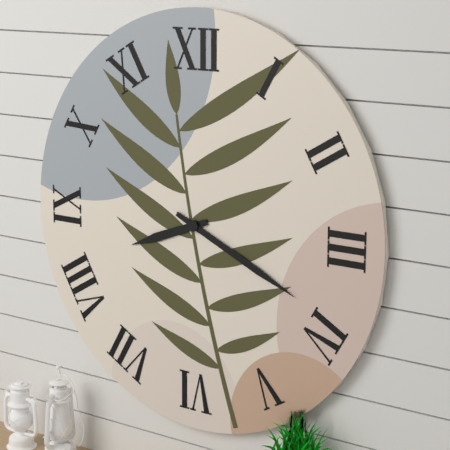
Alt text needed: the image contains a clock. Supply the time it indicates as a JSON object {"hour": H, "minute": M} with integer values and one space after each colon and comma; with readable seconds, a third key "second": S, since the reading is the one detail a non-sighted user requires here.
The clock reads {"hour": 8, "minute": 19}
